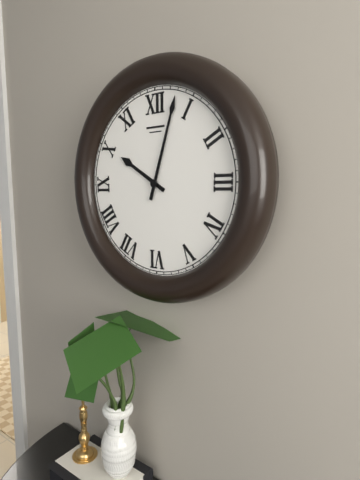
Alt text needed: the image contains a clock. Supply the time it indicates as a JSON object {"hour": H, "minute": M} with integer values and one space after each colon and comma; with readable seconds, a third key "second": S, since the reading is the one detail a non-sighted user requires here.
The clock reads {"hour": 10, "minute": 3}
